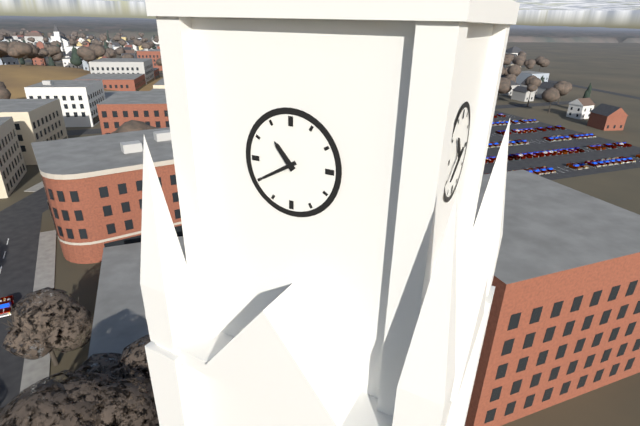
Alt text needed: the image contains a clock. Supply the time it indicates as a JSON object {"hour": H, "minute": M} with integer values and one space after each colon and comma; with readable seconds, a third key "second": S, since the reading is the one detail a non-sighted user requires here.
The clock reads {"hour": 10, "minute": 40}
